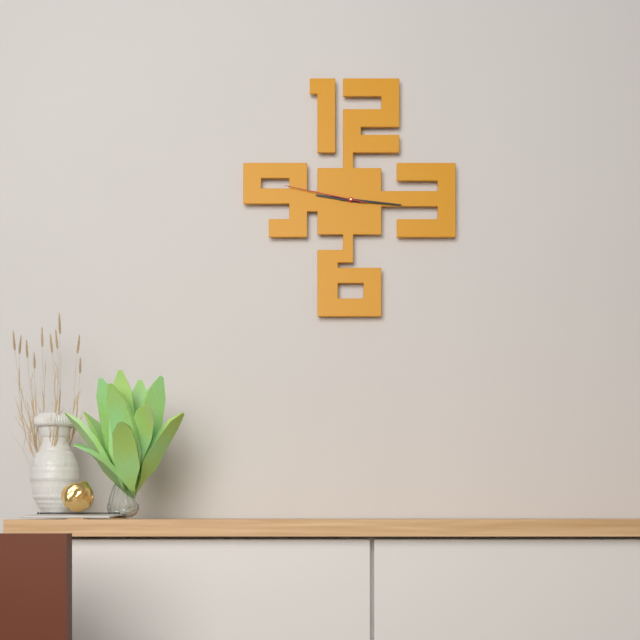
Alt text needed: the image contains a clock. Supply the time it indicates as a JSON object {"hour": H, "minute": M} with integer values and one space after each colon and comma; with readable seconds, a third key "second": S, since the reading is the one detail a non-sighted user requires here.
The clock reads {"hour": 9, "minute": 16, "second": 47}
